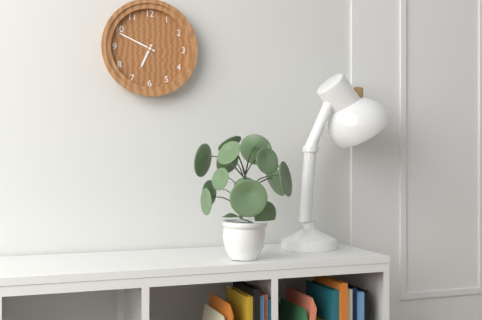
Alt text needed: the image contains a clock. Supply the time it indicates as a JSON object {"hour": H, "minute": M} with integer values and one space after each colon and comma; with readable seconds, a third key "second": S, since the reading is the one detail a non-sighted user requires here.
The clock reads {"hour": 6, "minute": 49}
